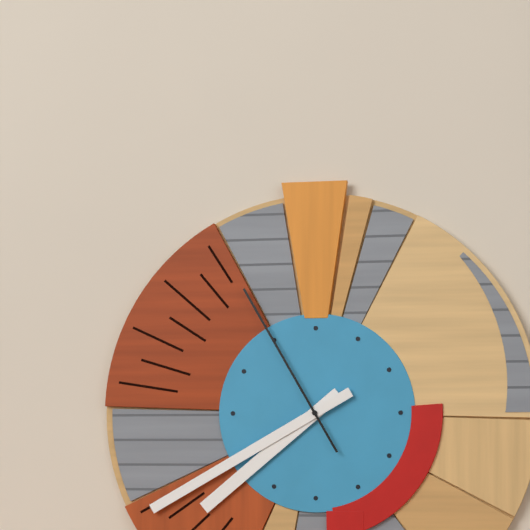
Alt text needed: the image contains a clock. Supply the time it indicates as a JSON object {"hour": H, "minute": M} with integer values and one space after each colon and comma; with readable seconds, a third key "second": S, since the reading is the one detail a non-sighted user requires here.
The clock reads {"hour": 7, "minute": 40, "second": 55}
